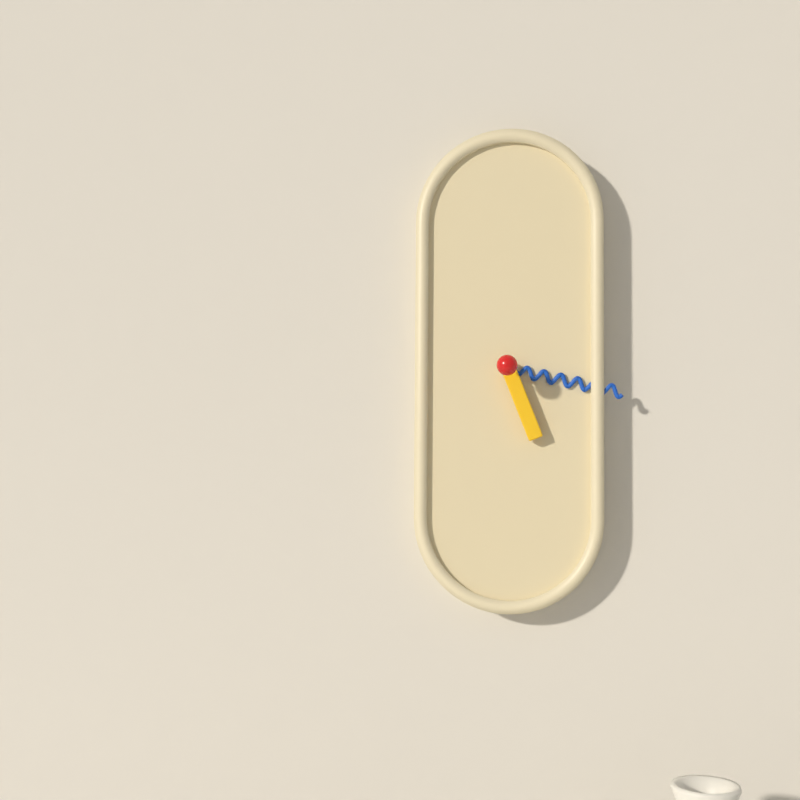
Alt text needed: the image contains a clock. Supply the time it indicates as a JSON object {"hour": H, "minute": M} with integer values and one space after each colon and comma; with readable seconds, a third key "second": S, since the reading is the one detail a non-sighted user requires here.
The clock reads {"hour": 5, "minute": 17}
